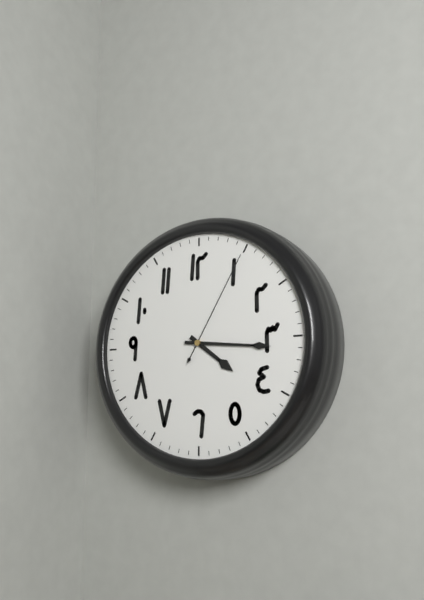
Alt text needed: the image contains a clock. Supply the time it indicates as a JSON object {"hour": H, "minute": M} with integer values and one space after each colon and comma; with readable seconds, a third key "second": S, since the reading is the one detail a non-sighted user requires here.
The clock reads {"hour": 4, "minute": 16, "second": 5}
